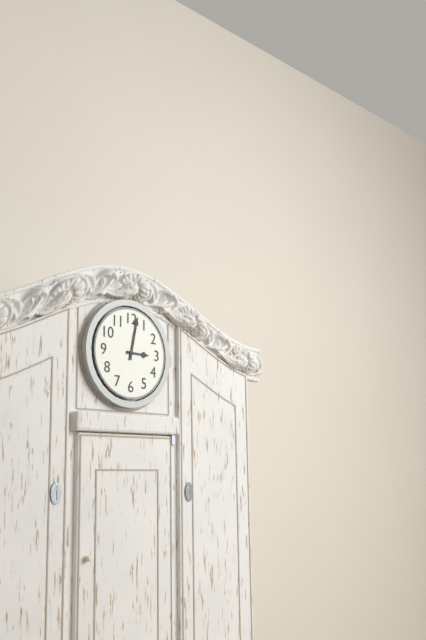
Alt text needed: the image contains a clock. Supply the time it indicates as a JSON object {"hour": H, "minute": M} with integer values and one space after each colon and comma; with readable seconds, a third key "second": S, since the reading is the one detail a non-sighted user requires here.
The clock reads {"hour": 3, "minute": 2}
